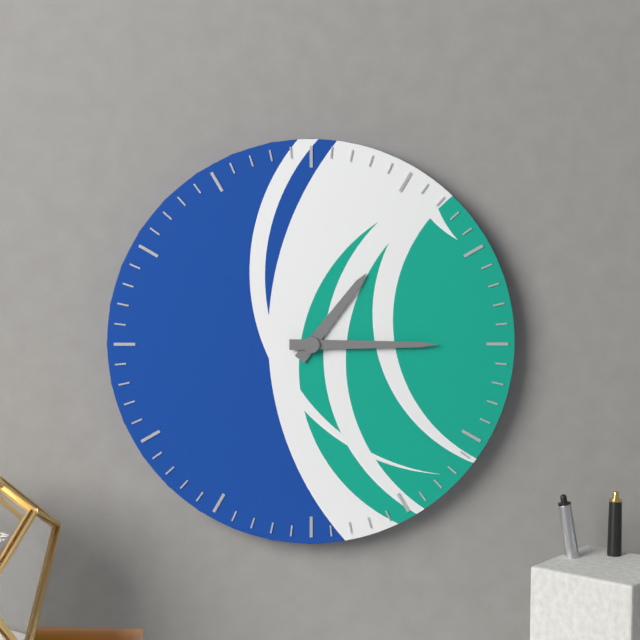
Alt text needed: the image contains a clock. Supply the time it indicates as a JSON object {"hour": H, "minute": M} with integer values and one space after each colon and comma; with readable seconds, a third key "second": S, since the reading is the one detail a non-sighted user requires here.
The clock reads {"hour": 1, "minute": 15}
